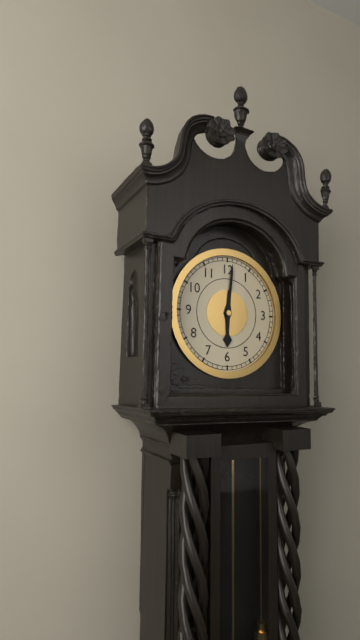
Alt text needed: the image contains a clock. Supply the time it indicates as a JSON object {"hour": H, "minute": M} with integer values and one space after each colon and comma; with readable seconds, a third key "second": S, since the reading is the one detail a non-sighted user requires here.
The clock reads {"hour": 6, "minute": 1}
